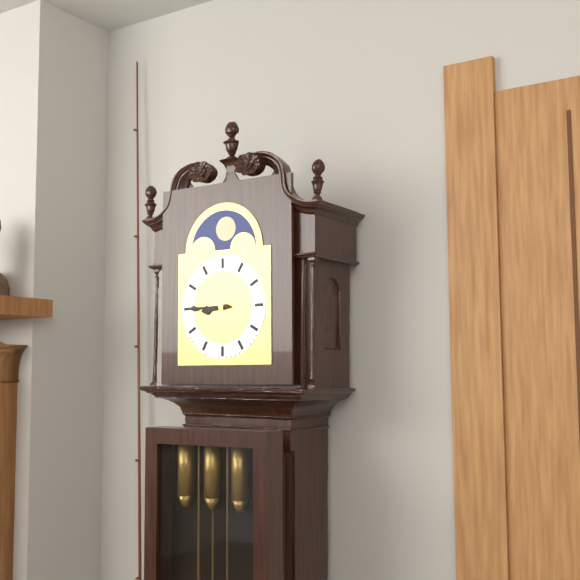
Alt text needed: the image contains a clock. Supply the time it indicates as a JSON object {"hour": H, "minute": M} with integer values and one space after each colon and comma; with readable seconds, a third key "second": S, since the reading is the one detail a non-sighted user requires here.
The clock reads {"hour": 8, "minute": 45}
